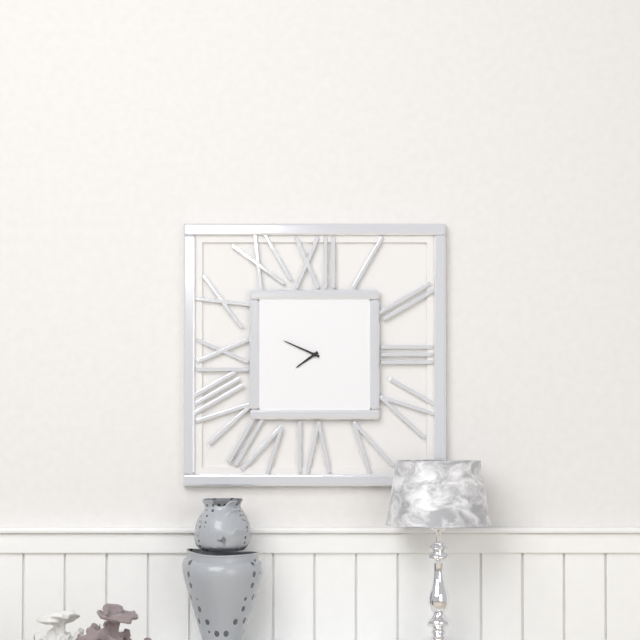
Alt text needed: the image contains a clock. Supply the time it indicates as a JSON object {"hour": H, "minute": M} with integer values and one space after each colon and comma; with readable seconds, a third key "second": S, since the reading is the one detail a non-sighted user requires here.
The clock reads {"hour": 7, "minute": 49}
